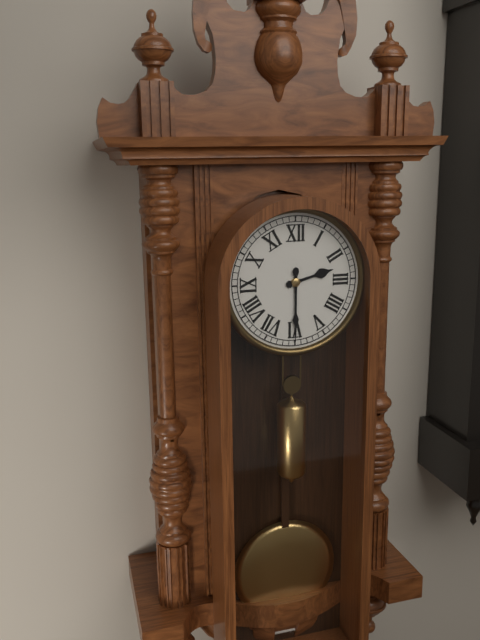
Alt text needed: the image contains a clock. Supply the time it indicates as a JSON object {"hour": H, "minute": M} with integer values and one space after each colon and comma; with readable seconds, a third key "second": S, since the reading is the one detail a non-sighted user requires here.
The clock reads {"hour": 2, "minute": 30}
